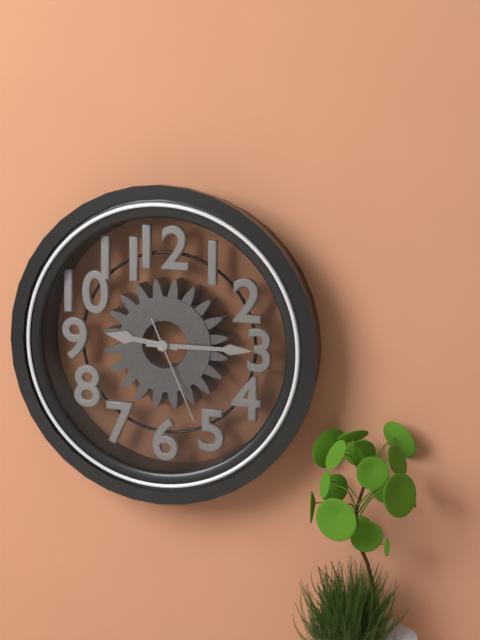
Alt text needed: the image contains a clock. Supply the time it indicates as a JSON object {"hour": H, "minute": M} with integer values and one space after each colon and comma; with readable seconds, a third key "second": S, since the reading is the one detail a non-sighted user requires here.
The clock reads {"hour": 9, "minute": 15, "second": 26}
